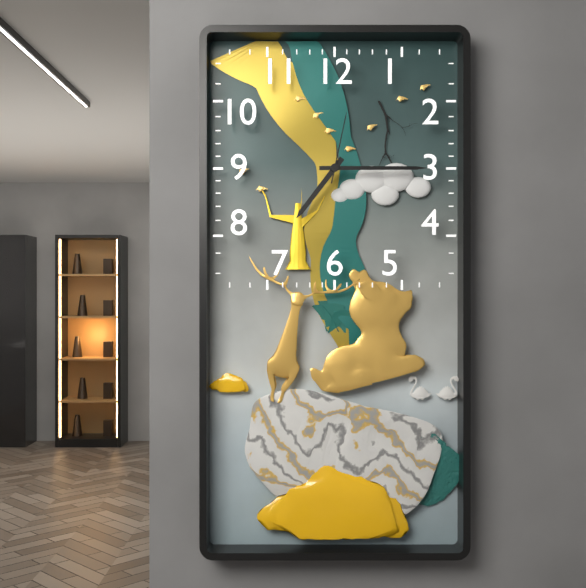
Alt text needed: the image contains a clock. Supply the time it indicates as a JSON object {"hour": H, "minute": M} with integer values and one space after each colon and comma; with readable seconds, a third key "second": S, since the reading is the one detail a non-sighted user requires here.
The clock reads {"hour": 7, "minute": 15, "second": 2}
